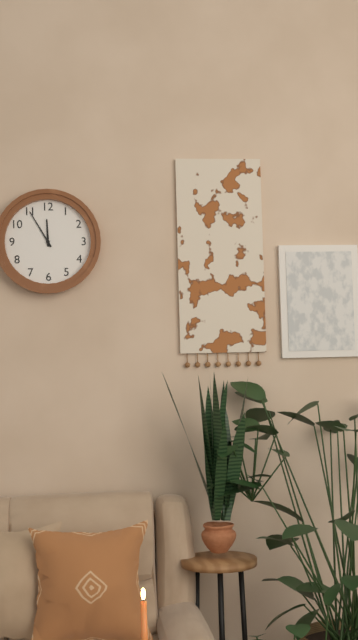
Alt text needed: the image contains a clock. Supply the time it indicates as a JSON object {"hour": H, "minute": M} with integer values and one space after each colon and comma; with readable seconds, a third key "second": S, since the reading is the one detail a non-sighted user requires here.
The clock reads {"hour": 11, "minute": 55}
